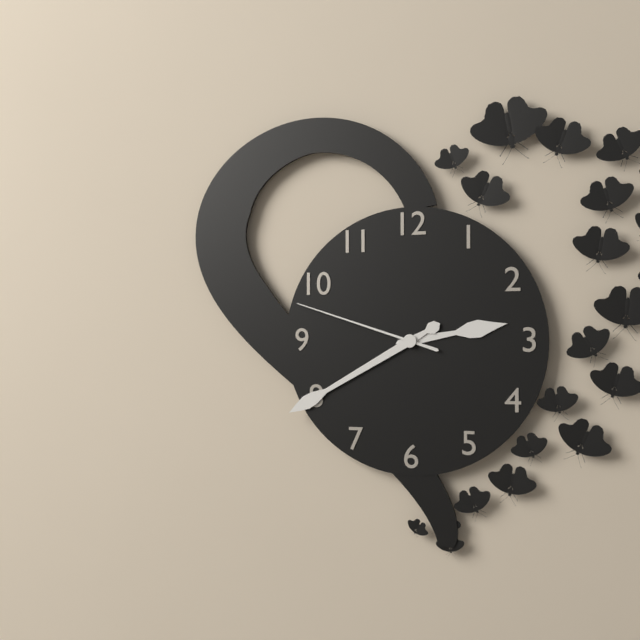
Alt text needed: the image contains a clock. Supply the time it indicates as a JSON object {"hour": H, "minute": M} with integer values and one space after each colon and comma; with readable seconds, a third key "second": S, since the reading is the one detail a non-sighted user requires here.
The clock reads {"hour": 2, "minute": 40, "second": 48}
